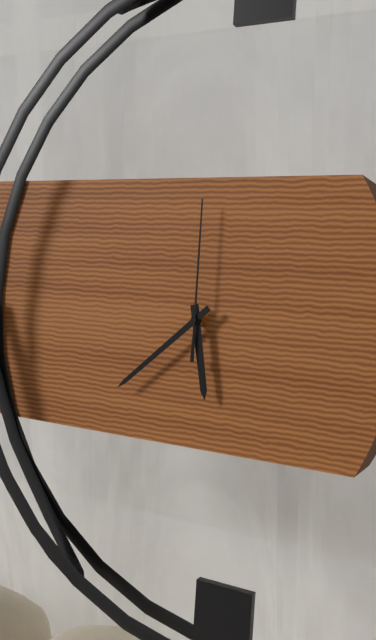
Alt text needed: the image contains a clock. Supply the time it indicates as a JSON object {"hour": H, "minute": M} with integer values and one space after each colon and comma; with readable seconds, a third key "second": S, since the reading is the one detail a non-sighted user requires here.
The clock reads {"hour": 5, "minute": 38, "second": 0}
